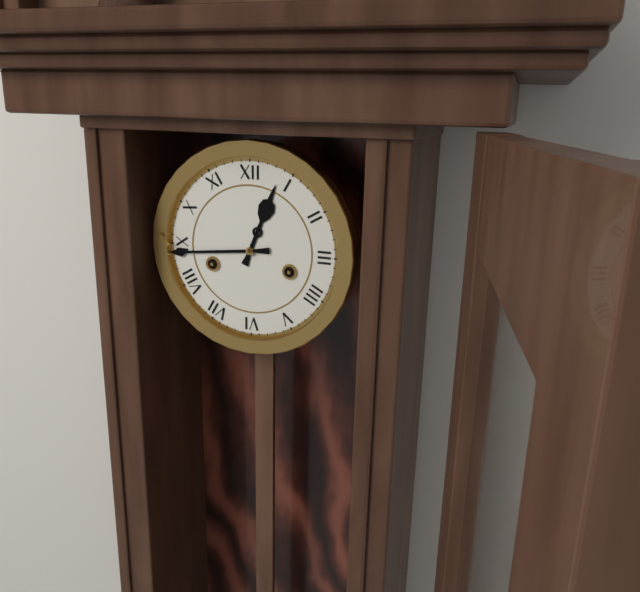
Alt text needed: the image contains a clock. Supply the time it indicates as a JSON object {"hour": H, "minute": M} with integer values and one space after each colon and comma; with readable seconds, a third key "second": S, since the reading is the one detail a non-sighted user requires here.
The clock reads {"hour": 12, "minute": 44}
